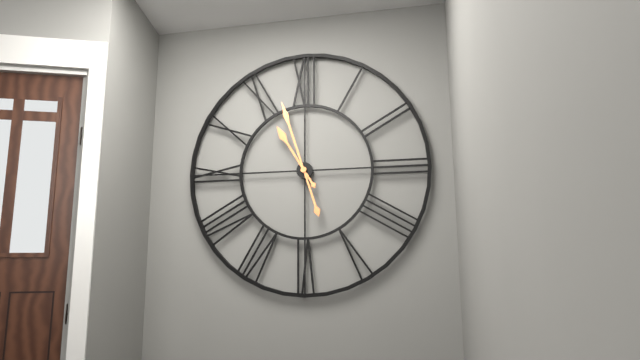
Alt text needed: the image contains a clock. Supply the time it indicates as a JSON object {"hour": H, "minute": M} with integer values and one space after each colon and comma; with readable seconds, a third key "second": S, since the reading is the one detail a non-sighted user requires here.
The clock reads {"hour": 10, "minute": 57}
